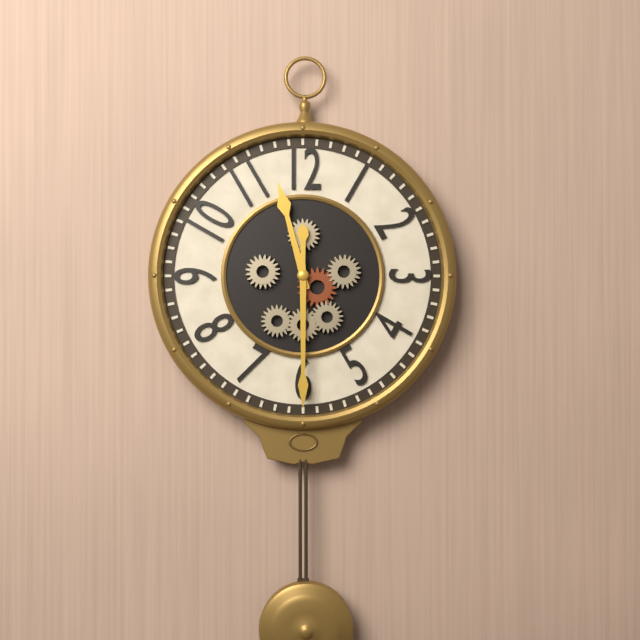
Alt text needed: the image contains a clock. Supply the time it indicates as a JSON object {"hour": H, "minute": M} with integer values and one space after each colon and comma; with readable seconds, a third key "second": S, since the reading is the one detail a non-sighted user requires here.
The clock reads {"hour": 11, "minute": 30}
